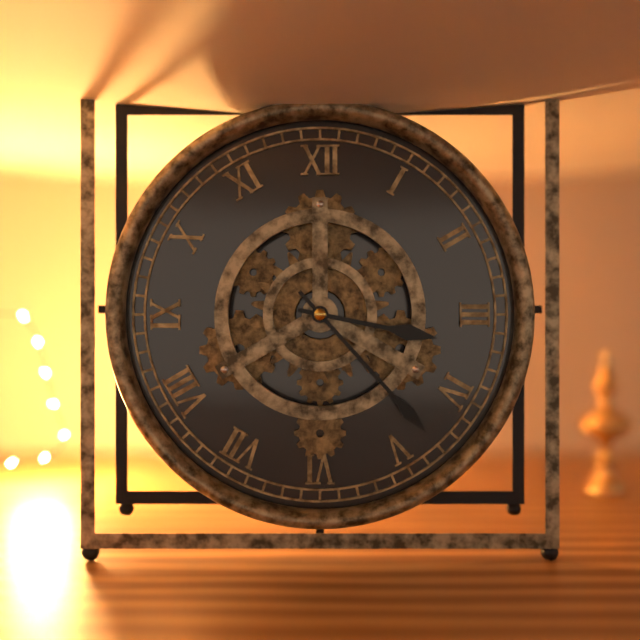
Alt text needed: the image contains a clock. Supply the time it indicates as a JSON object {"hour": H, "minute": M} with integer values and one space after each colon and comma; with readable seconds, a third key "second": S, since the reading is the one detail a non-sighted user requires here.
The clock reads {"hour": 3, "minute": 23}
